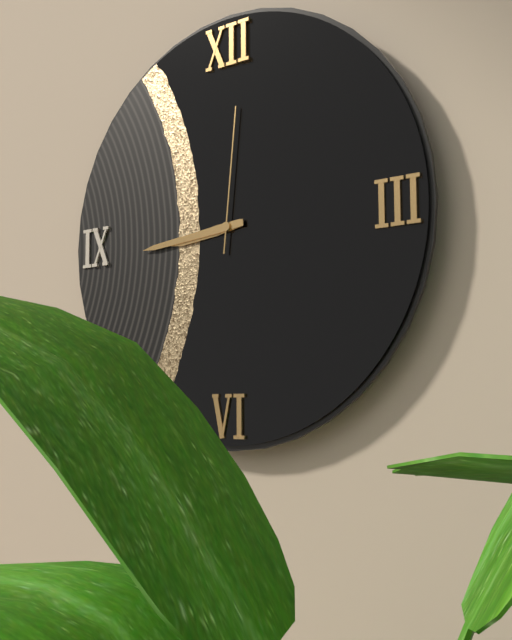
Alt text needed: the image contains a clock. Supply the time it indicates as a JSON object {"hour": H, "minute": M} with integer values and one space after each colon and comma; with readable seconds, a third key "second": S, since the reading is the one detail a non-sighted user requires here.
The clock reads {"hour": 8, "minute": 44, "second": 1}
